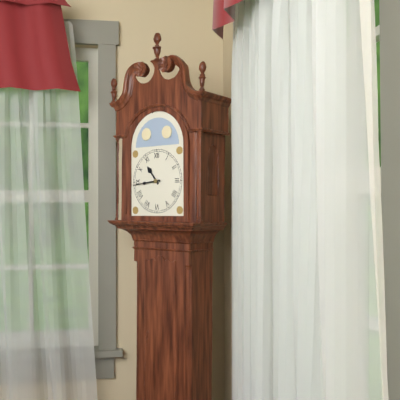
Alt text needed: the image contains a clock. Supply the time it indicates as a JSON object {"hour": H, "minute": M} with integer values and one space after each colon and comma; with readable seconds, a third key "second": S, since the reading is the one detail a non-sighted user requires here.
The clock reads {"hour": 10, "minute": 44}
